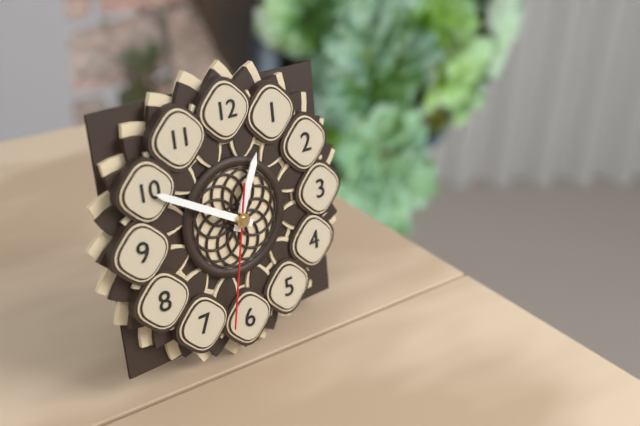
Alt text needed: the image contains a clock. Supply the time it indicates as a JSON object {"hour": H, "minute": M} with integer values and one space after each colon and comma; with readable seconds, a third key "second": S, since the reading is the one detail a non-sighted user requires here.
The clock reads {"hour": 12, "minute": 50, "second": 32}
